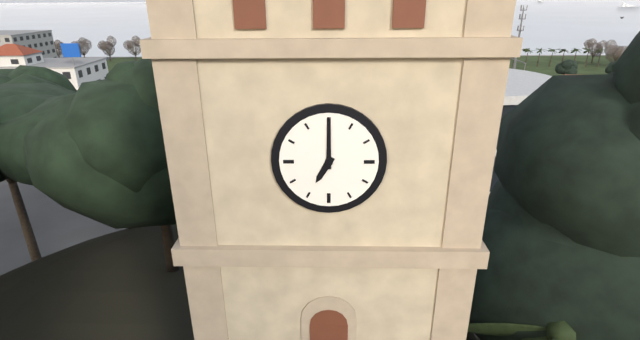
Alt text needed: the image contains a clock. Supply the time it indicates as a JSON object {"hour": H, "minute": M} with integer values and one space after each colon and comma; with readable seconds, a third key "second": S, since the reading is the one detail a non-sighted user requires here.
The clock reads {"hour": 7, "minute": 0}
